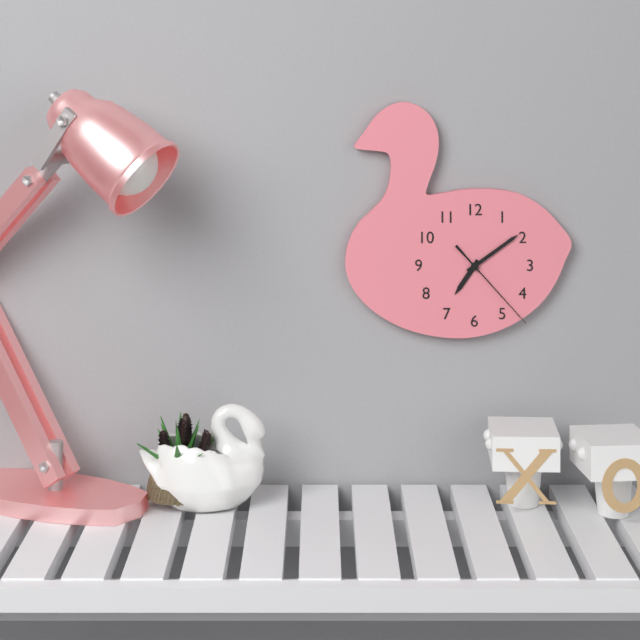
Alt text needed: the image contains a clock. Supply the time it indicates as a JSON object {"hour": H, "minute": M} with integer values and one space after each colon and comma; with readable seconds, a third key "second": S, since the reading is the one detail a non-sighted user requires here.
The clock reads {"hour": 7, "minute": 9, "second": 23}
